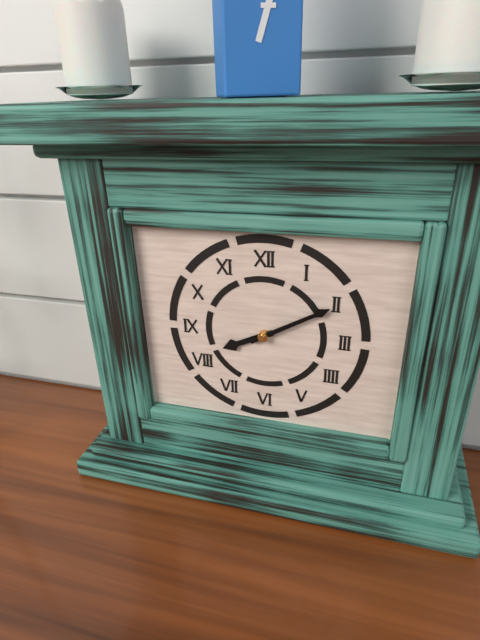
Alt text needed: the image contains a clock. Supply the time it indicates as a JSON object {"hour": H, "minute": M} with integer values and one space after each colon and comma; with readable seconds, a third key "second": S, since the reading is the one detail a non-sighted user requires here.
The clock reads {"hour": 8, "minute": 10}
